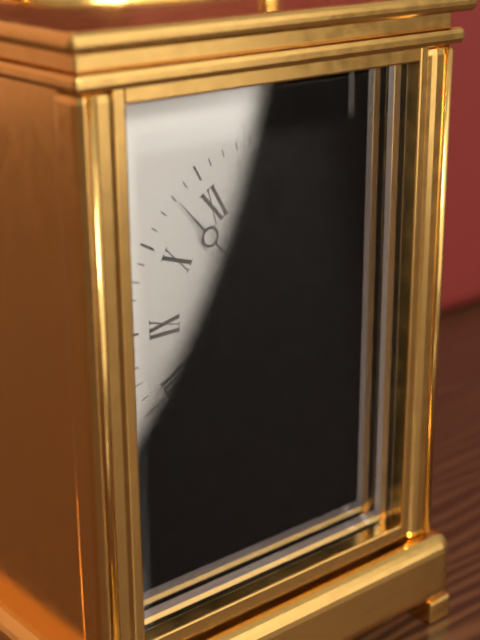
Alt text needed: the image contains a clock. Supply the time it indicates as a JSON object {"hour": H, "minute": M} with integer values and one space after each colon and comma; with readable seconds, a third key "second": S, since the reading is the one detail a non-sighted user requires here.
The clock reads {"hour": 12, "minute": 53}
